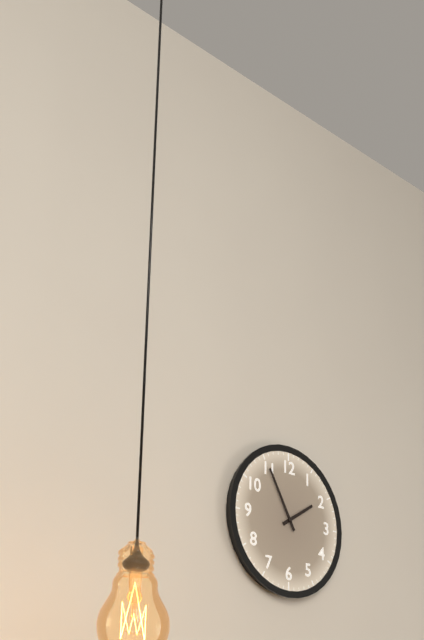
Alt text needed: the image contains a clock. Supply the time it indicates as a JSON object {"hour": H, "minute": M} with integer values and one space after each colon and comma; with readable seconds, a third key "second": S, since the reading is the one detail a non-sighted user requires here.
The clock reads {"hour": 1, "minute": 55}
